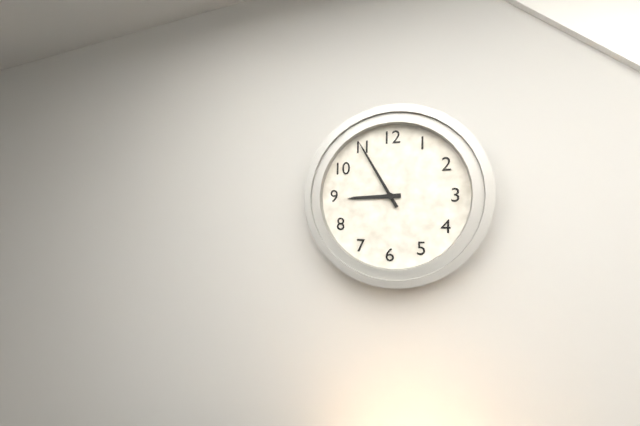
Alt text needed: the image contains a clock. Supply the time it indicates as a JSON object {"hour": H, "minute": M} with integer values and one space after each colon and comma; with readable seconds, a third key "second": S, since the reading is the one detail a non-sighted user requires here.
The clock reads {"hour": 8, "minute": 55}
